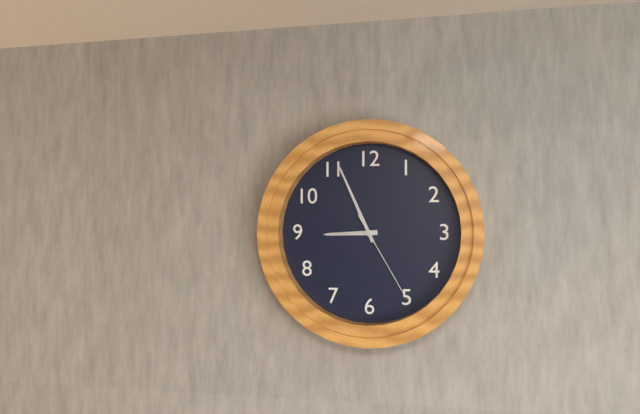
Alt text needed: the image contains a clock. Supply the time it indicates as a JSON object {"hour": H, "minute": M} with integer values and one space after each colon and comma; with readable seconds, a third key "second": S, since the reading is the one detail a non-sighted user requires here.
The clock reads {"hour": 8, "minute": 56, "second": 25}
